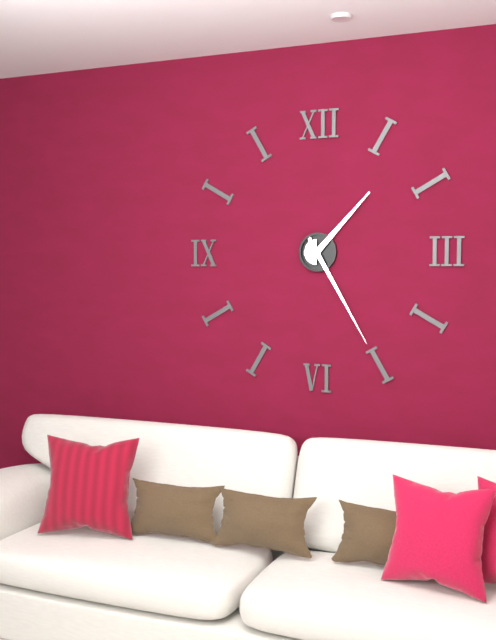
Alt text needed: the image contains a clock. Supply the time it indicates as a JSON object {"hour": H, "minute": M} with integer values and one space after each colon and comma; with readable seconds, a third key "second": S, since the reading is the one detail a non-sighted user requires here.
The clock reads {"hour": 1, "minute": 25}
